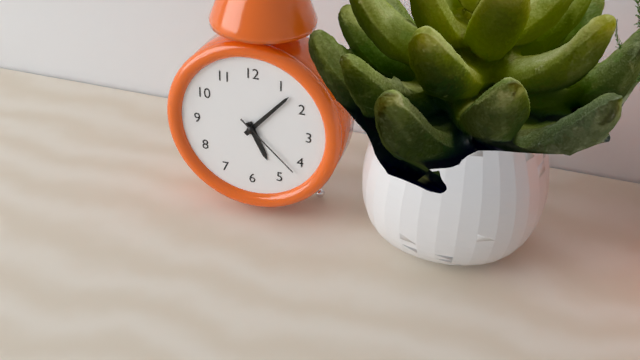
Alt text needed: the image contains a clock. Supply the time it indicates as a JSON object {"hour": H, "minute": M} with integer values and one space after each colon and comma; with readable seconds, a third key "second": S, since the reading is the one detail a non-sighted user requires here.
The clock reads {"hour": 5, "minute": 7, "second": 22}
